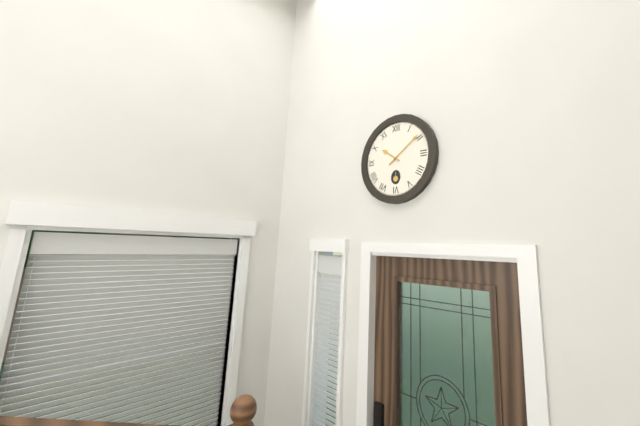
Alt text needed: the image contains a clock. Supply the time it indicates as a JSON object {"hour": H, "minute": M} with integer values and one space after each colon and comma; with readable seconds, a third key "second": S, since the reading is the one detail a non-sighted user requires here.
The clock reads {"hour": 10, "minute": 9}
